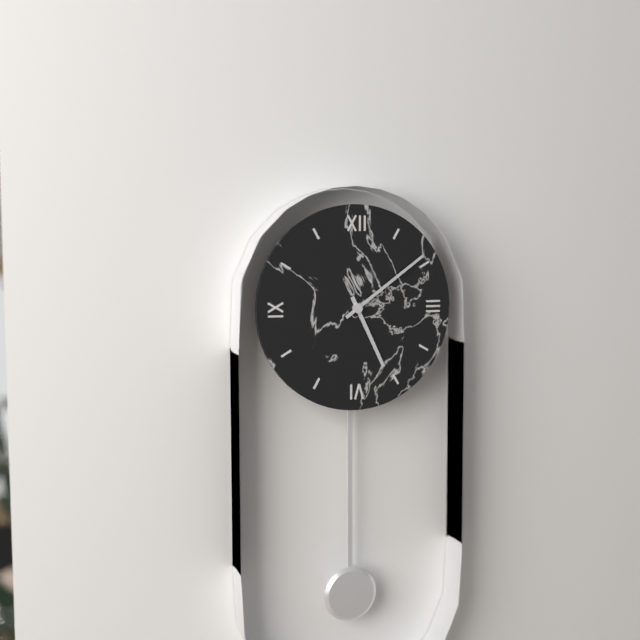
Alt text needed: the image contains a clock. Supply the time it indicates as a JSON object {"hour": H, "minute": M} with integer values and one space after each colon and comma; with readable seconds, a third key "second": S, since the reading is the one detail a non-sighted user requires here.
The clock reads {"hour": 5, "minute": 9}
